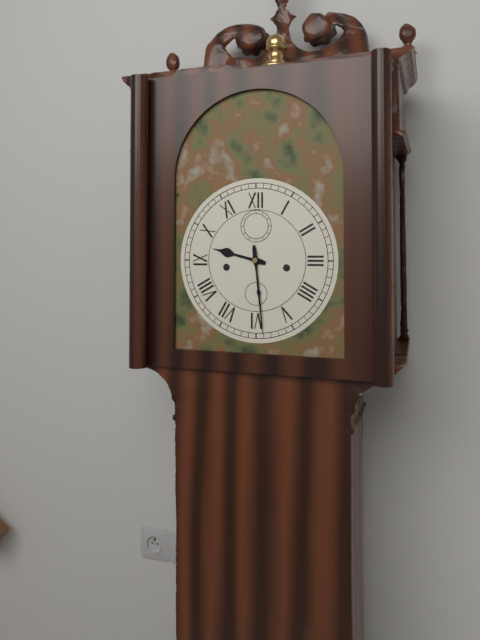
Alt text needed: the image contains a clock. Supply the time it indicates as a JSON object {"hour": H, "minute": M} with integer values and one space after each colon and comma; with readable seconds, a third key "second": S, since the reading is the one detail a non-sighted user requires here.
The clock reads {"hour": 9, "minute": 29}
